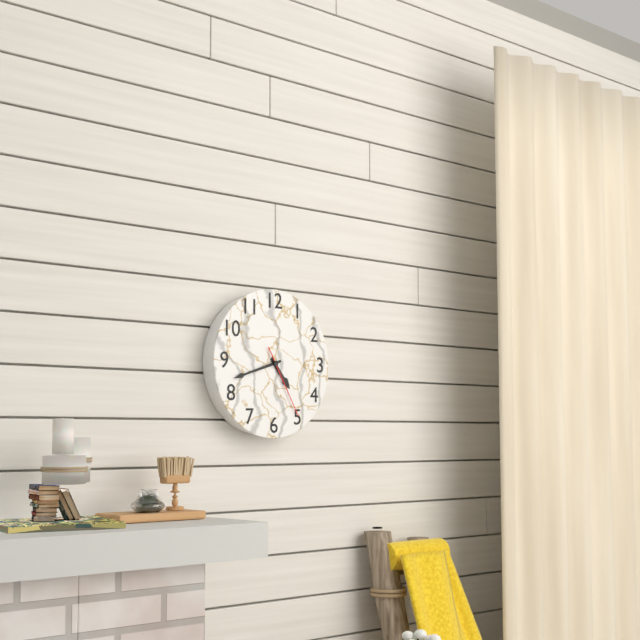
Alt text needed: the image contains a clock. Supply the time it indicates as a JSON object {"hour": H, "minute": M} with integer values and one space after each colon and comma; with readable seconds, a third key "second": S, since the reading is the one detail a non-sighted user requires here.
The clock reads {"hour": 4, "minute": 42, "second": 25}
